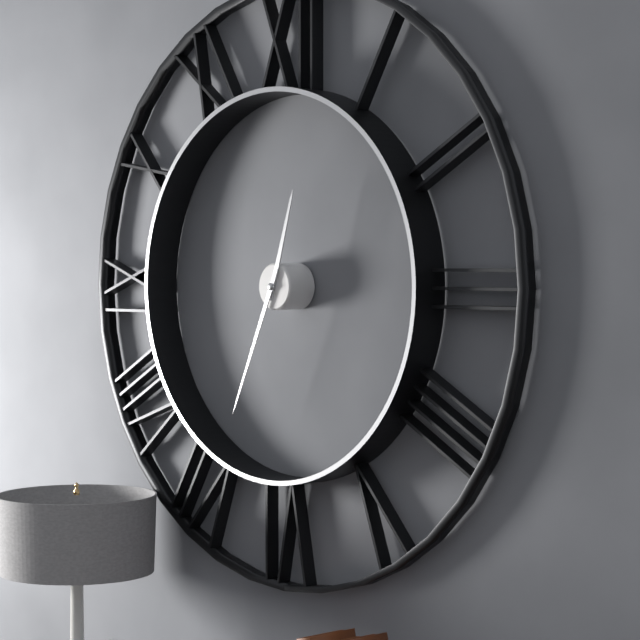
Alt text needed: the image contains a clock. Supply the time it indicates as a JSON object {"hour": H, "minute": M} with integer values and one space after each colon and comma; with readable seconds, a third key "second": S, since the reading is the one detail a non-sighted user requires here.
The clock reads {"hour": 12, "minute": 34}
